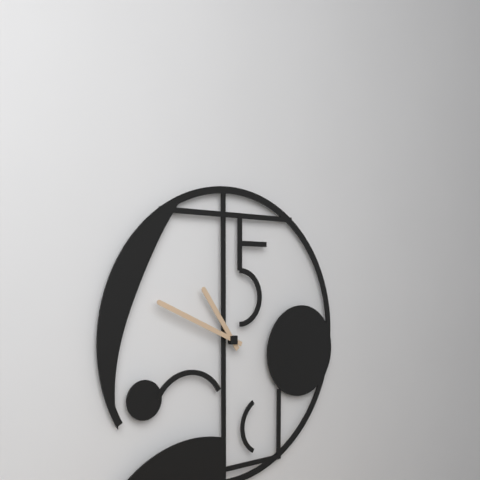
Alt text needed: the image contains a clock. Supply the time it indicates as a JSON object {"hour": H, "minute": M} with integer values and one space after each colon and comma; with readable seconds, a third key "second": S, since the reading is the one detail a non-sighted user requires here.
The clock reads {"hour": 10, "minute": 49}
